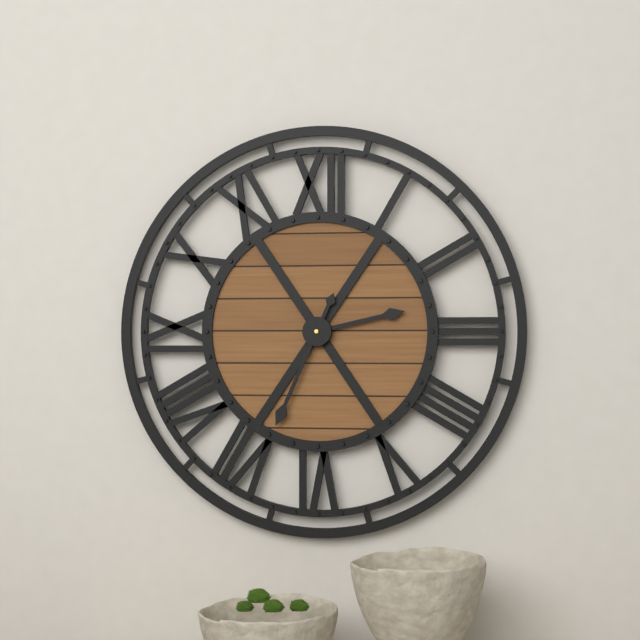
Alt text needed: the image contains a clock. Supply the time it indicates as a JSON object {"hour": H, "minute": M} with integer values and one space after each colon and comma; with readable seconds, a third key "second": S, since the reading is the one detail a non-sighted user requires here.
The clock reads {"hour": 2, "minute": 34}
